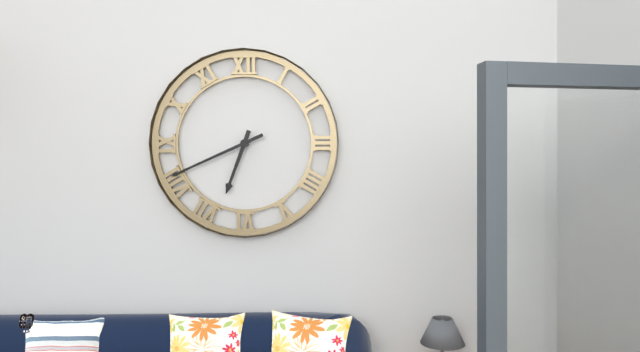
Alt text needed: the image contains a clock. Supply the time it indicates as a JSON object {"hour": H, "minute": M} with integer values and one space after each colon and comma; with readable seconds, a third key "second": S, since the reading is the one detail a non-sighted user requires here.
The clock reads {"hour": 6, "minute": 41}
